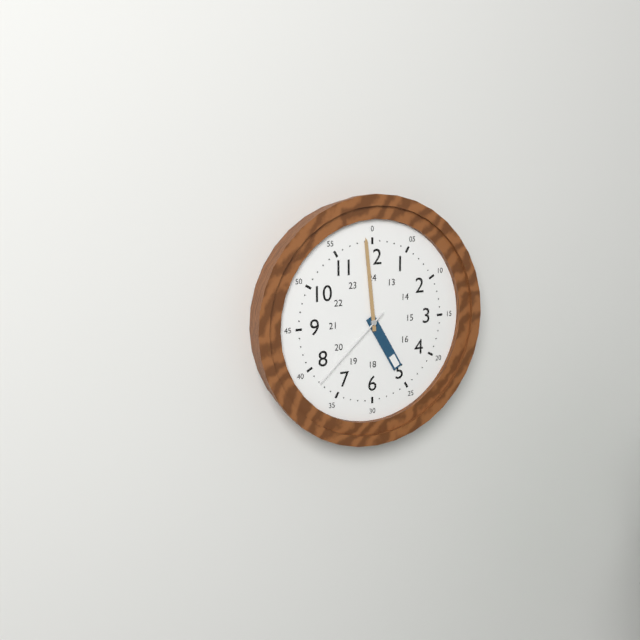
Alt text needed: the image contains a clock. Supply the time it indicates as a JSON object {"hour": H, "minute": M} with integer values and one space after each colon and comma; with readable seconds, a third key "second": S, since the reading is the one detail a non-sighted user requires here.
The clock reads {"hour": 4, "minute": 59, "second": 38}
